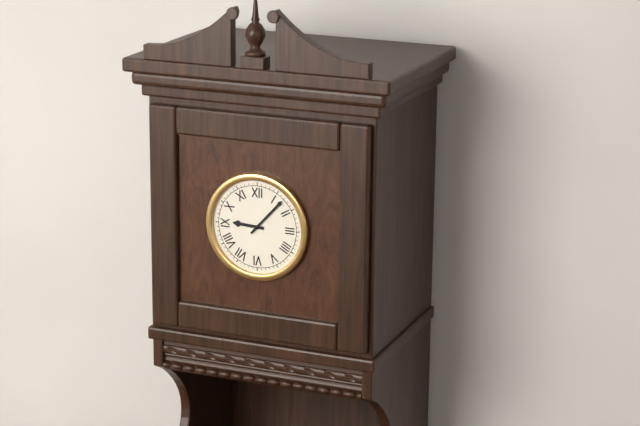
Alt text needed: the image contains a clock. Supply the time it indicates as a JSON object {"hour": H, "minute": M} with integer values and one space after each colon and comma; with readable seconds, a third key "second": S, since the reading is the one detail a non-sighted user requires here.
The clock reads {"hour": 9, "minute": 7}
